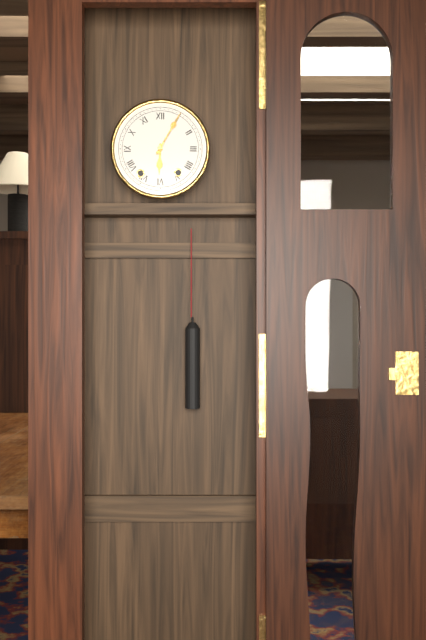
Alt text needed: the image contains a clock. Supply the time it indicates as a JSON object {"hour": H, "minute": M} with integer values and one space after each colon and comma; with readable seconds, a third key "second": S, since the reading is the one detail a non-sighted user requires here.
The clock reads {"hour": 6, "minute": 5}
